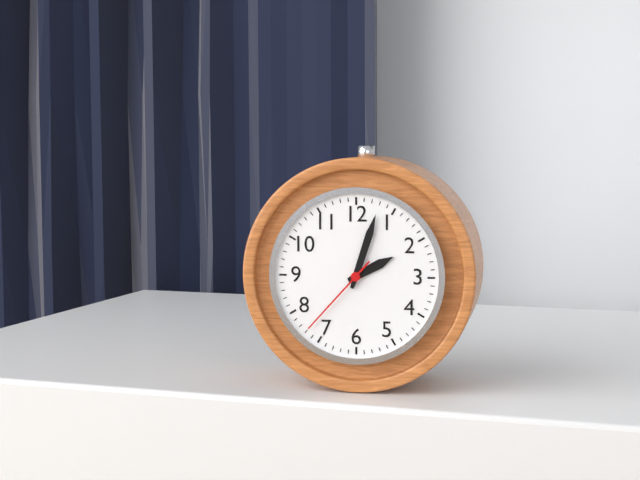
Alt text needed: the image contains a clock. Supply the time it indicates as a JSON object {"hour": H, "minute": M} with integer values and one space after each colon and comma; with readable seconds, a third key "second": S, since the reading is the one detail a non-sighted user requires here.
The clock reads {"hour": 2, "minute": 3, "second": 37}
